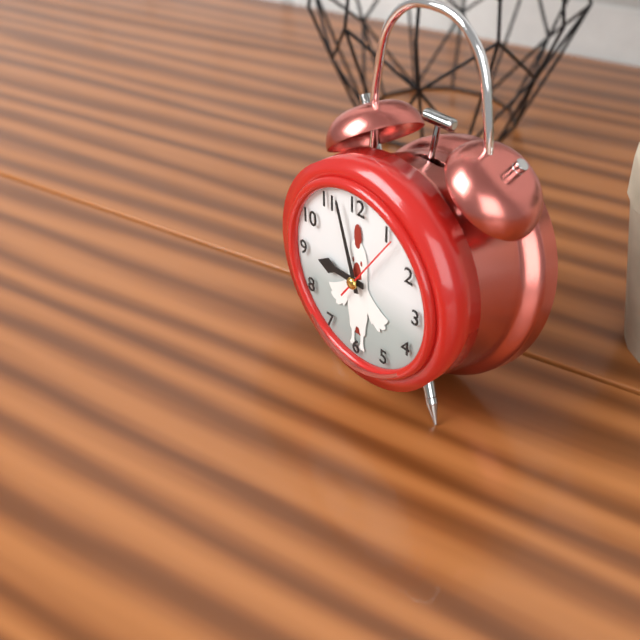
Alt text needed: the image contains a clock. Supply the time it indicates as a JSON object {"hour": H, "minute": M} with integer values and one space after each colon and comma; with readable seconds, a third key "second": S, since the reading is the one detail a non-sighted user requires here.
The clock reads {"hour": 8, "minute": 57, "second": 6}
